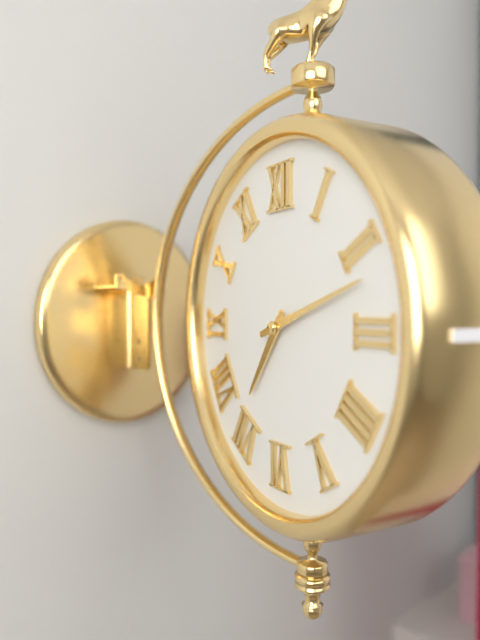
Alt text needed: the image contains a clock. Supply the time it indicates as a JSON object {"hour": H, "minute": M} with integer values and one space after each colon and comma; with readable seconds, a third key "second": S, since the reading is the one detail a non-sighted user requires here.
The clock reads {"hour": 7, "minute": 12}
